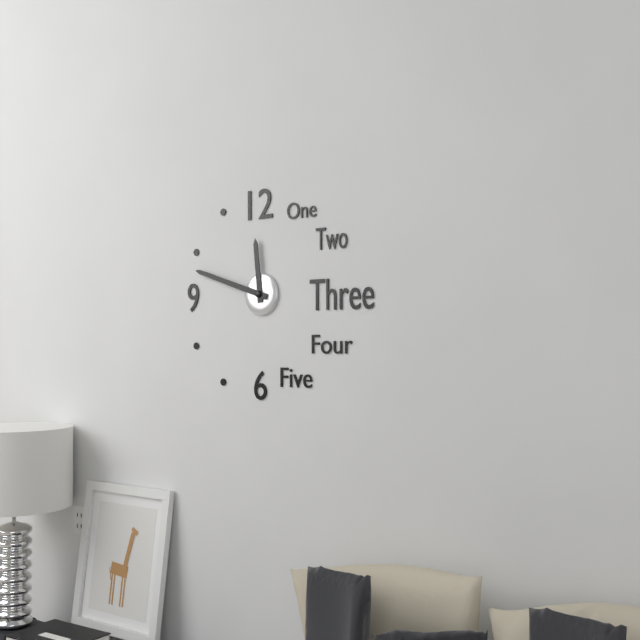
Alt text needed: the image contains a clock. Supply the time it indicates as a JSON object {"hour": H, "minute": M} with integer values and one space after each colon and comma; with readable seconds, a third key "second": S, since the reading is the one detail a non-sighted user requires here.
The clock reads {"hour": 11, "minute": 48}
